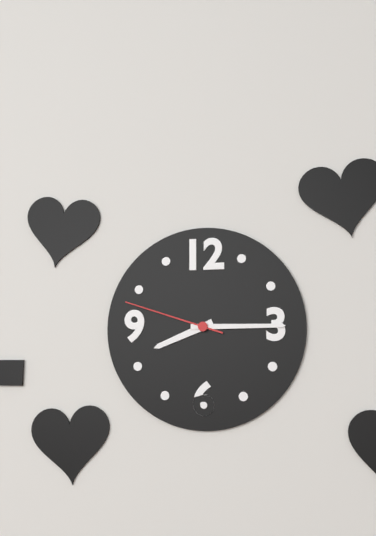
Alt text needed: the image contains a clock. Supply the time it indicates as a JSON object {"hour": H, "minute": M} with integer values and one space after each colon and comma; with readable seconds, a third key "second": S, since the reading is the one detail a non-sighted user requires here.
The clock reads {"hour": 8, "minute": 15, "second": 48}
